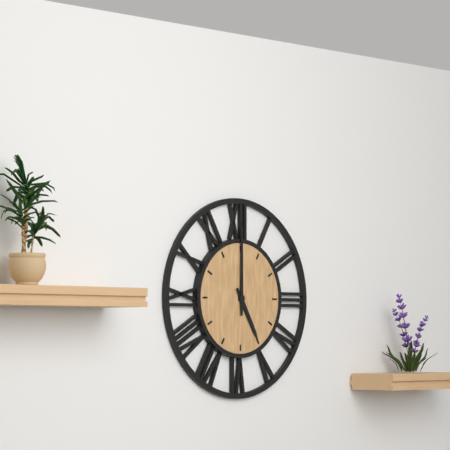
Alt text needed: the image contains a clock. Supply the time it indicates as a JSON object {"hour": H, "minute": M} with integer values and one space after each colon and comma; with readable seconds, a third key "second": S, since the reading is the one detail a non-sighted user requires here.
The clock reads {"hour": 5, "minute": 0}
